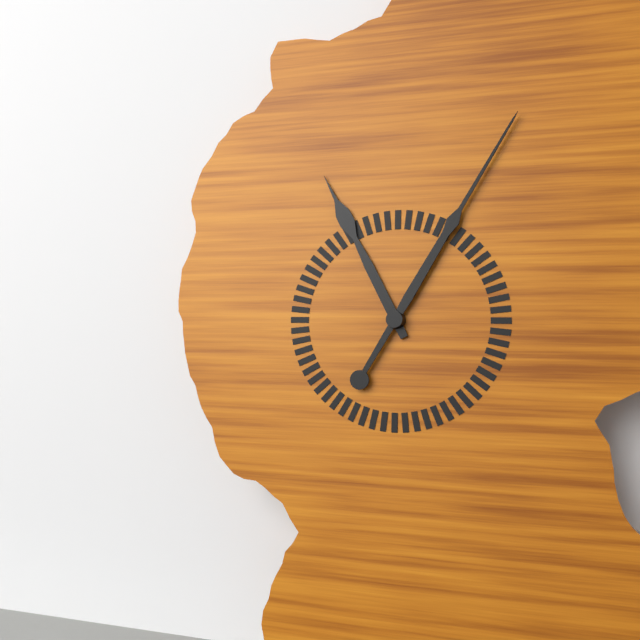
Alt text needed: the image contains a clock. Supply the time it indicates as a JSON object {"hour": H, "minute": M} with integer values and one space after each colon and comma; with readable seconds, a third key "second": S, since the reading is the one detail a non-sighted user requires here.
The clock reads {"hour": 11, "minute": 5}
